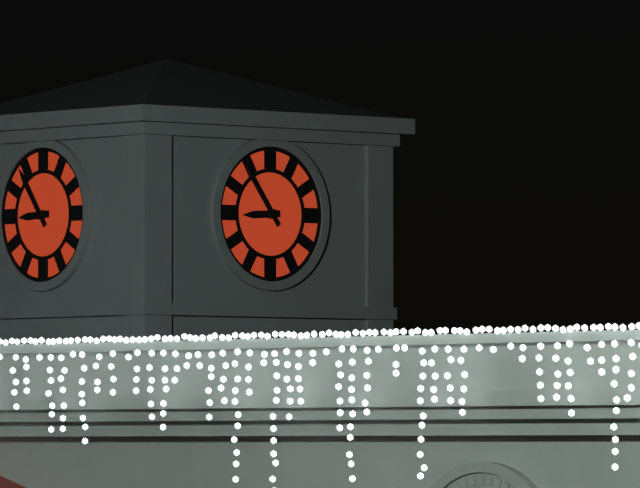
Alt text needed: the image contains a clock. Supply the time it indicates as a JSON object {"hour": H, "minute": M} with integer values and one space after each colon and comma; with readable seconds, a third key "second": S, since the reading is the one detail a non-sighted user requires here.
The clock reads {"hour": 8, "minute": 54}
